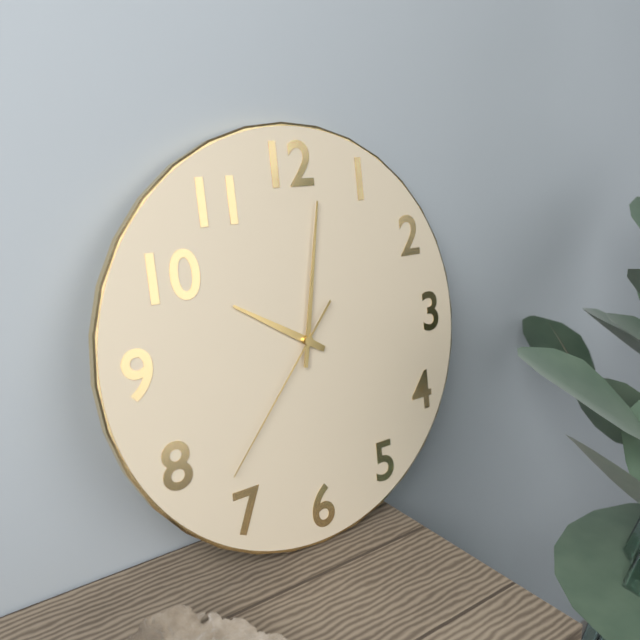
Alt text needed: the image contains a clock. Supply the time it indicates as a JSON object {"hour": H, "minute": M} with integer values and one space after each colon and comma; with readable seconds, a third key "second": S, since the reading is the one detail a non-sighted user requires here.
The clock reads {"hour": 10, "minute": 2, "second": 37}
